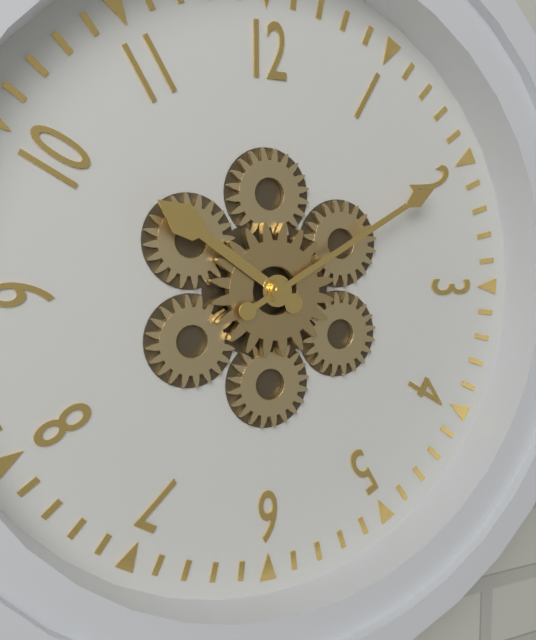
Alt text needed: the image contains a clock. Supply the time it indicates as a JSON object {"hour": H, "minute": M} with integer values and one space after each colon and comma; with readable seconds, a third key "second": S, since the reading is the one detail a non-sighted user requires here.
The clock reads {"hour": 10, "minute": 10}
